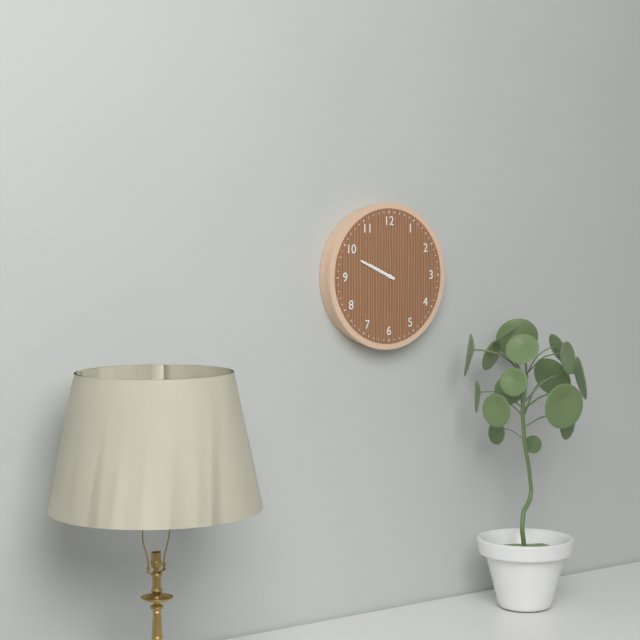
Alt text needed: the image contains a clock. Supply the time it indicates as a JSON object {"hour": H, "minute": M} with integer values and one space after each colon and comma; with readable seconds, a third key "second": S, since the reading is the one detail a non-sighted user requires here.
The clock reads {"hour": 9, "minute": 49}
